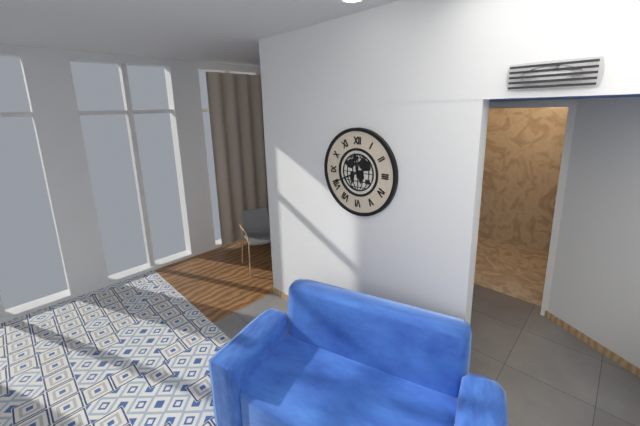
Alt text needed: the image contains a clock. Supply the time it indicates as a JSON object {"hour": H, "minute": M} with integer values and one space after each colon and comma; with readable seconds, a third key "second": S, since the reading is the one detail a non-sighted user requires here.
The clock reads {"hour": 11, "minute": 41}
